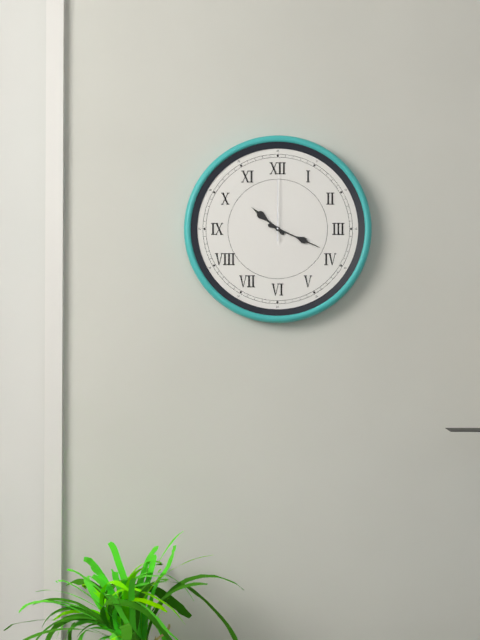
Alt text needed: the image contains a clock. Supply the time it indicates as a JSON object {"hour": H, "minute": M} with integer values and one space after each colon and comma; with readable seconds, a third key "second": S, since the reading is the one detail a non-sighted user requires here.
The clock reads {"hour": 10, "minute": 19, "second": 0}
